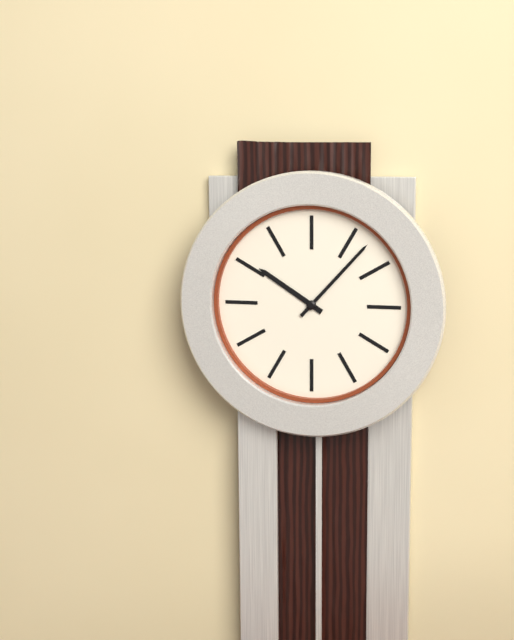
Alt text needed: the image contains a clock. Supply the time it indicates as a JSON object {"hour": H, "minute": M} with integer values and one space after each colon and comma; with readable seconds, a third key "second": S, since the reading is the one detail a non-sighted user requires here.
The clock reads {"hour": 10, "minute": 7}
